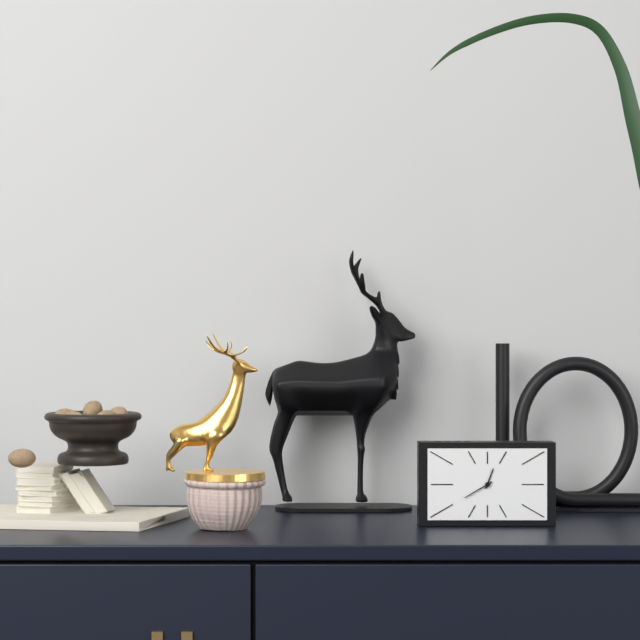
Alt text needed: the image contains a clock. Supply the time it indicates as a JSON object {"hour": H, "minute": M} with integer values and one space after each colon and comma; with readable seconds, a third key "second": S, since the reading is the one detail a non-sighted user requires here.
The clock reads {"hour": 12, "minute": 40}
